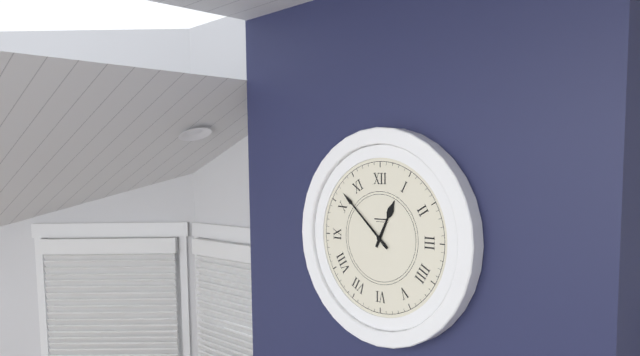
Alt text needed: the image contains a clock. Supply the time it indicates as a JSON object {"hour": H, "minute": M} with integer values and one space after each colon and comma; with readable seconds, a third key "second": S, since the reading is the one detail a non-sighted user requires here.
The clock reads {"hour": 12, "minute": 52}
